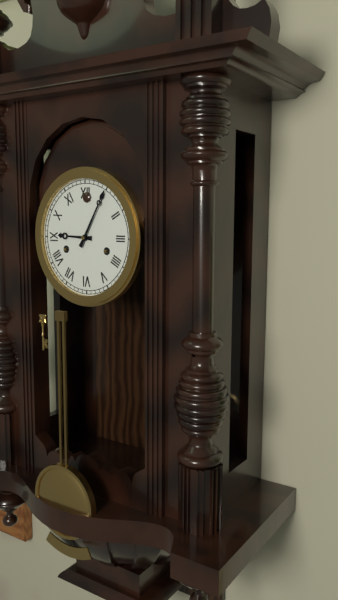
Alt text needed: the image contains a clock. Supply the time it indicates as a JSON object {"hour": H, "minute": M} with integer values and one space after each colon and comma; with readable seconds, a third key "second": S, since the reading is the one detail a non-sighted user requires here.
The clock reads {"hour": 9, "minute": 5}
